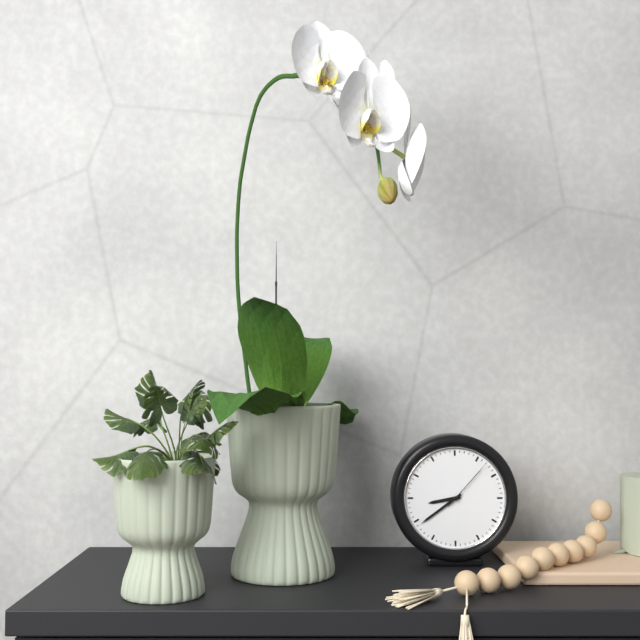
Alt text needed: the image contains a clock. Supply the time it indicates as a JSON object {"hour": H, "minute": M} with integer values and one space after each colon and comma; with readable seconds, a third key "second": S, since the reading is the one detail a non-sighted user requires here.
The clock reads {"hour": 8, "minute": 39, "second": 7}
